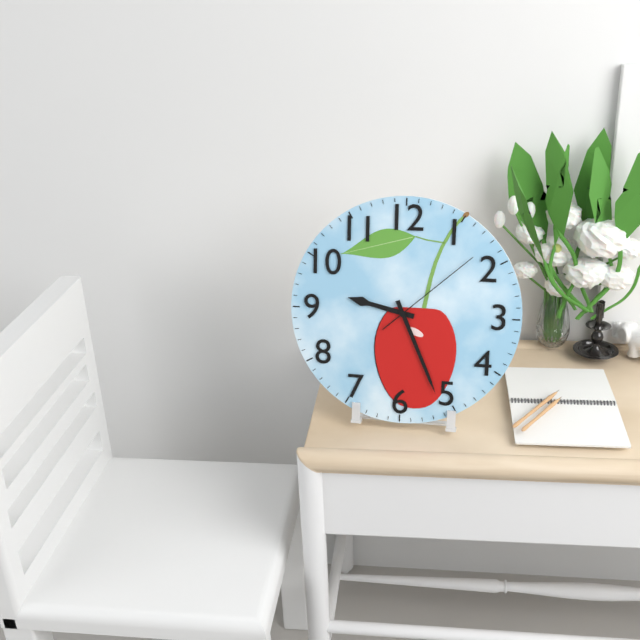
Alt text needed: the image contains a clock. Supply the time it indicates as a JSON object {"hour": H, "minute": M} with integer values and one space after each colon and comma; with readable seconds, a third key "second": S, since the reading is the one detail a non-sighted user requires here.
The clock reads {"hour": 9, "minute": 26, "second": 8}
